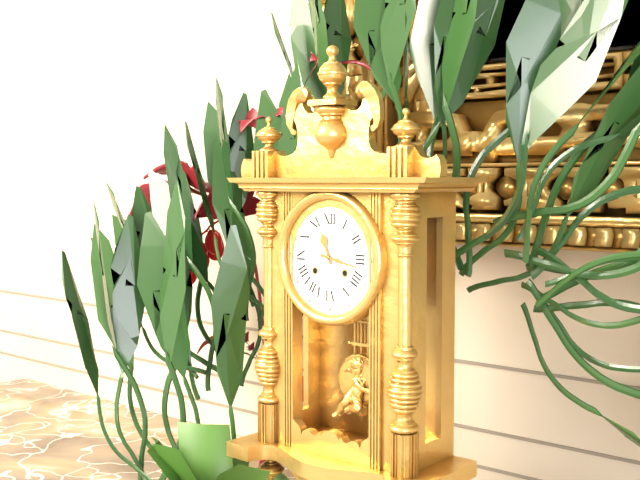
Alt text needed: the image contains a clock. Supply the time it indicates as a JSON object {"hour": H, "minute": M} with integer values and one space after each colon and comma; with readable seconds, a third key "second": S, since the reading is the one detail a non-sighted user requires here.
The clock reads {"hour": 11, "minute": 17}
